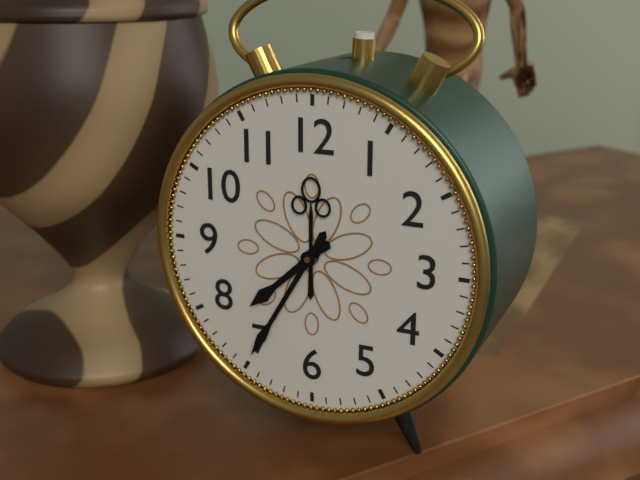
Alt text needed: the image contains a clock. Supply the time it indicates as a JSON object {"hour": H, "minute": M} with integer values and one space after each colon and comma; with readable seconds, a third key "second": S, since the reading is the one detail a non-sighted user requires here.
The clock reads {"hour": 7, "minute": 35}
